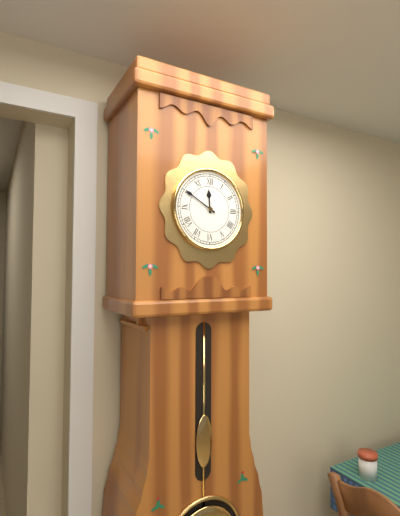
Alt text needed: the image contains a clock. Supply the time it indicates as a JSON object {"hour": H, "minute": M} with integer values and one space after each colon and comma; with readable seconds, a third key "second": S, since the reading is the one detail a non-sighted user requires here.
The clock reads {"hour": 11, "minute": 50}
